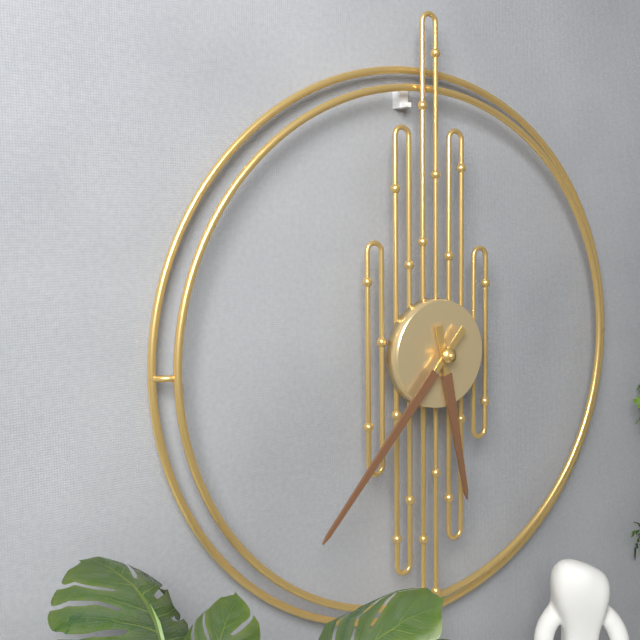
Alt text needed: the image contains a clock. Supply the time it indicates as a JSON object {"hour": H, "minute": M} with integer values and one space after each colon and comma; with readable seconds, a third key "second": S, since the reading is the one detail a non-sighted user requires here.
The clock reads {"hour": 5, "minute": 37}
